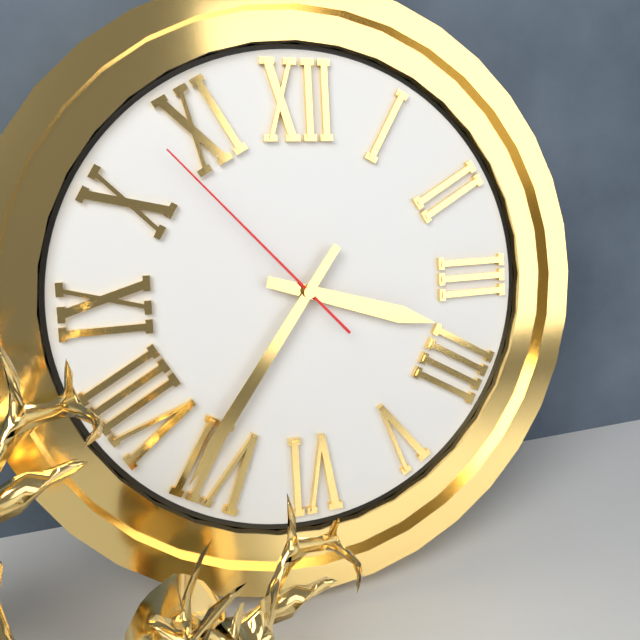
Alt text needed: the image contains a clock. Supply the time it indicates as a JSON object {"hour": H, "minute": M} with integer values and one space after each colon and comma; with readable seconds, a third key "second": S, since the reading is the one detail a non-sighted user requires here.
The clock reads {"hour": 3, "minute": 36, "second": 53}
